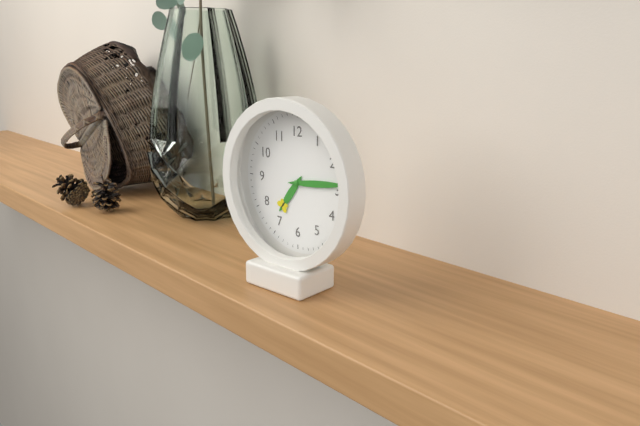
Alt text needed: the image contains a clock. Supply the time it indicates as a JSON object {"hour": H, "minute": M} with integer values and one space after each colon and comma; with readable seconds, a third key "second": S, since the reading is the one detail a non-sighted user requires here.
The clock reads {"hour": 7, "minute": 14}
